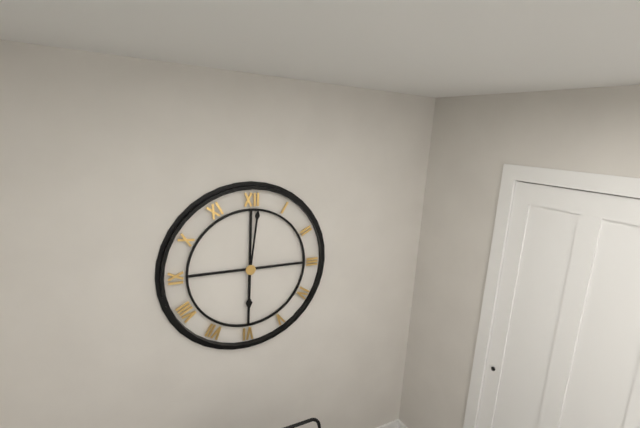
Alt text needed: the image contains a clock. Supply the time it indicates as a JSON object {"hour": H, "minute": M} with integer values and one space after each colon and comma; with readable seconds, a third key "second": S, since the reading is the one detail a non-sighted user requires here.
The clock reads {"hour": 6, "minute": 1}
